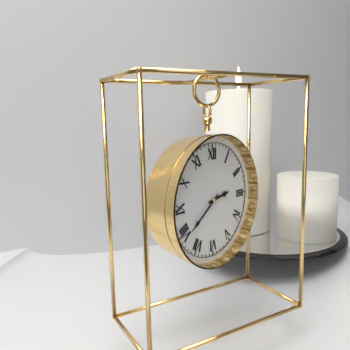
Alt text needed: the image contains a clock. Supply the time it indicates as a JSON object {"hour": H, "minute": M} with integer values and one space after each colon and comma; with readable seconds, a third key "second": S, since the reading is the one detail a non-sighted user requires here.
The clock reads {"hour": 2, "minute": 39}
